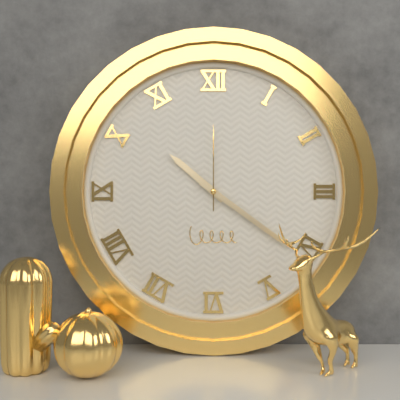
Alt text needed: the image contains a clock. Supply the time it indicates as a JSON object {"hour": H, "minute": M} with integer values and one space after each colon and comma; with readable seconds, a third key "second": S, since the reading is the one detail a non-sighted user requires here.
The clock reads {"hour": 10, "minute": 21, "second": 0}
